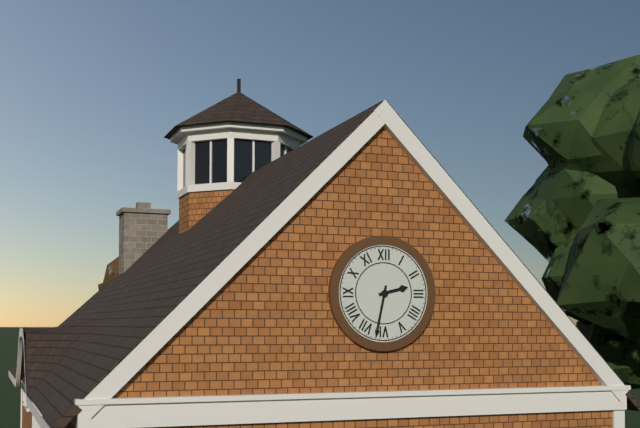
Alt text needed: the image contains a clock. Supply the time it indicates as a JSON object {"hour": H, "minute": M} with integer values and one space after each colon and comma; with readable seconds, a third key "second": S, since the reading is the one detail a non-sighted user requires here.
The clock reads {"hour": 2, "minute": 32}
